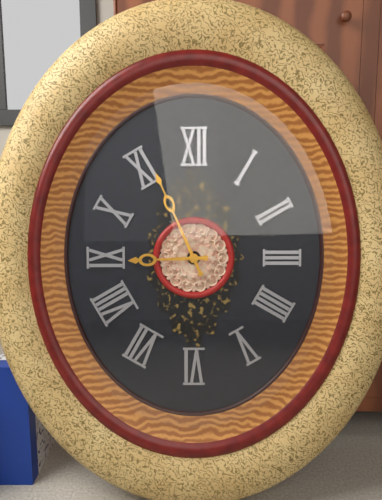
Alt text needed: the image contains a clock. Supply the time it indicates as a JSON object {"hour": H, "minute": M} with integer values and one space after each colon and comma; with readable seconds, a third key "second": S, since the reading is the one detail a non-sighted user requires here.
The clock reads {"hour": 8, "minute": 56}
